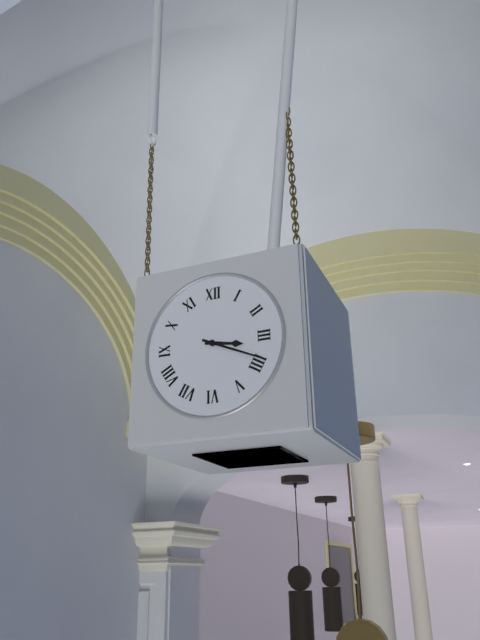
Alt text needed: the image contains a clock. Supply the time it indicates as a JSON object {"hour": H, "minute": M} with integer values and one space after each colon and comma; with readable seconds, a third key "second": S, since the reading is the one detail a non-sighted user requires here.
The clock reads {"hour": 3, "minute": 19}
